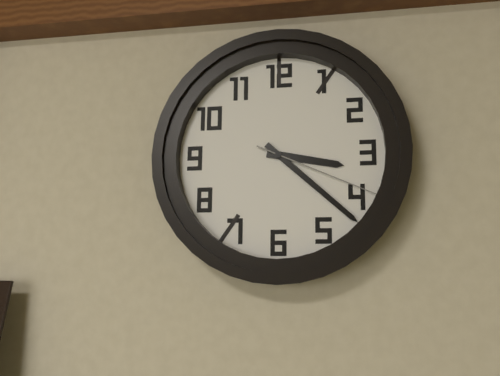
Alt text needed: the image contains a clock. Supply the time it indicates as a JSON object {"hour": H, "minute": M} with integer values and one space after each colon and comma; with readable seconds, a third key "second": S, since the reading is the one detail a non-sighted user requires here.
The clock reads {"hour": 3, "minute": 22, "second": 19}
